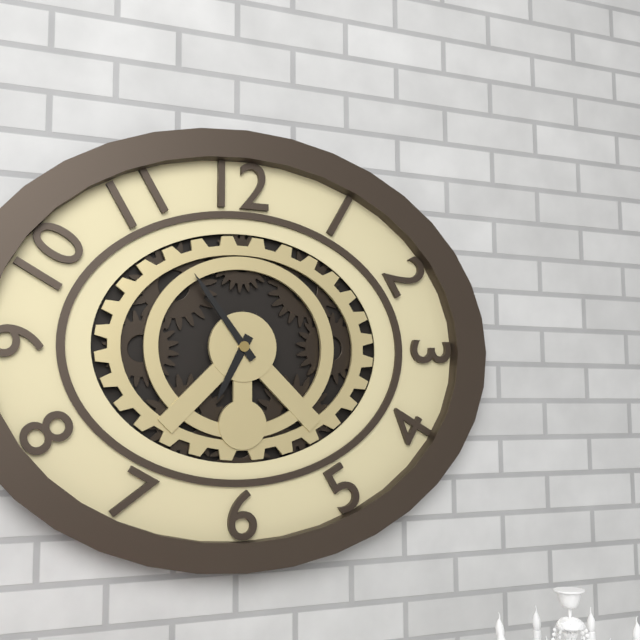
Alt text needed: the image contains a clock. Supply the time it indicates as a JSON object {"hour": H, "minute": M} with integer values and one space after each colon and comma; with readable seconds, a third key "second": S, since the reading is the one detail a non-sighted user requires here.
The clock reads {"hour": 6, "minute": 54}
